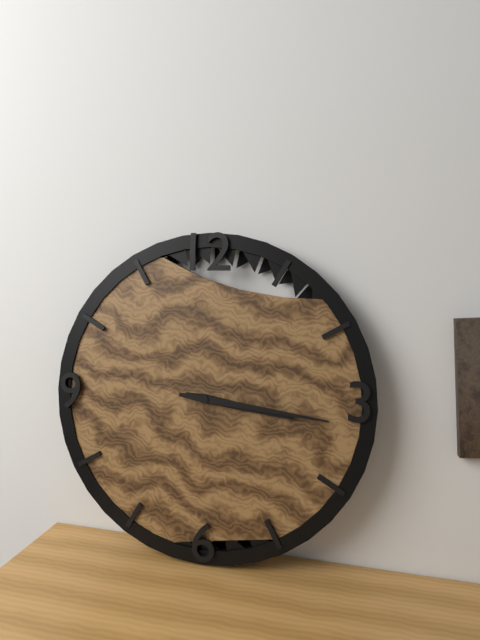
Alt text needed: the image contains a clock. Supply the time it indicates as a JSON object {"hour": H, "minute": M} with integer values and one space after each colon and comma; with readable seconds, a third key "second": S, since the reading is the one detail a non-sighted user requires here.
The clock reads {"hour": 3, "minute": 16}
